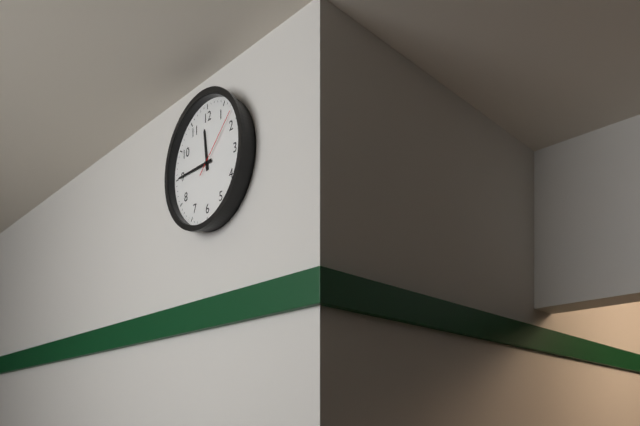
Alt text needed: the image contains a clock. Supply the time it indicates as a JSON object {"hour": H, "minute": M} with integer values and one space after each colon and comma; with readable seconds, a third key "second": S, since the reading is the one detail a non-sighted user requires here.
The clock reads {"hour": 11, "minute": 45, "second": 8}
